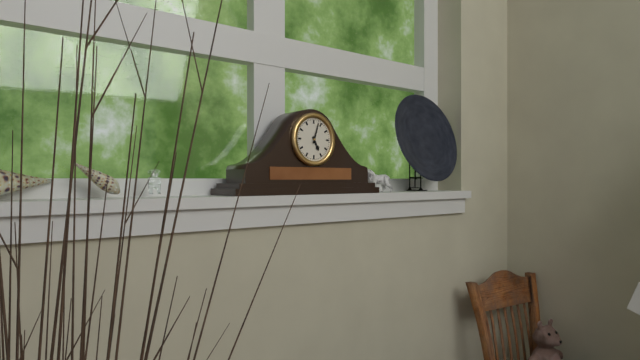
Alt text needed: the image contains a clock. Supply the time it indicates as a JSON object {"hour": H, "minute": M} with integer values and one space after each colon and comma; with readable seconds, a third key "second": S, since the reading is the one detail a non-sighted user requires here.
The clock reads {"hour": 5, "minute": 3}
